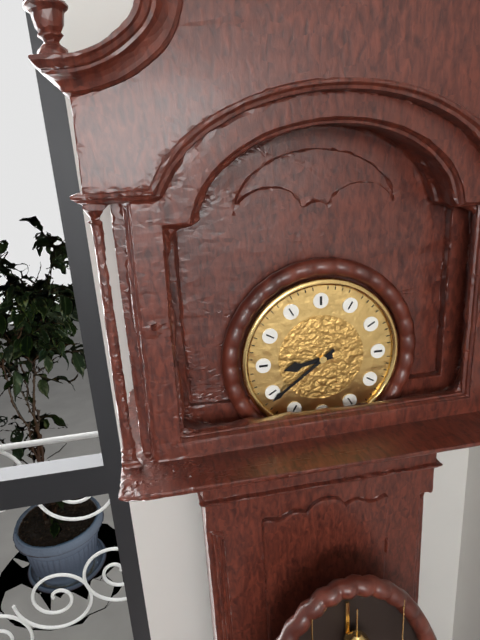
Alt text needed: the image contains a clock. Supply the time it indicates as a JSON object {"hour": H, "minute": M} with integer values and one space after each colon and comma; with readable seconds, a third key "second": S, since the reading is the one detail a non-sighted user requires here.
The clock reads {"hour": 8, "minute": 39}
